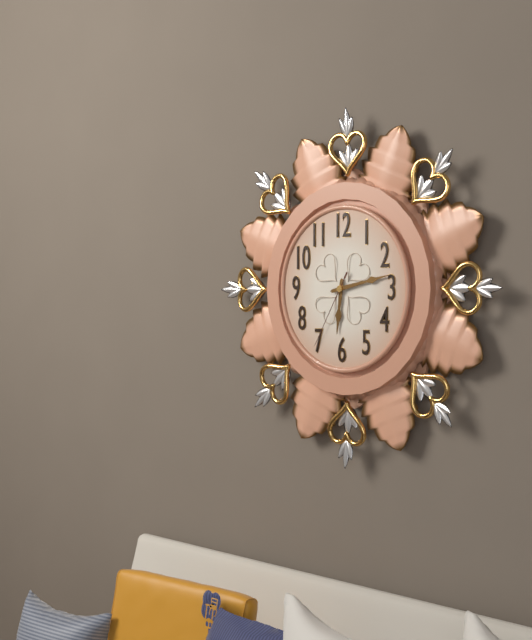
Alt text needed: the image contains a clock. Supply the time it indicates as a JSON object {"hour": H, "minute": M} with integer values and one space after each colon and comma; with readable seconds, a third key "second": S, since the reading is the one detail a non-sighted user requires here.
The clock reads {"hour": 6, "minute": 13, "second": 35}
